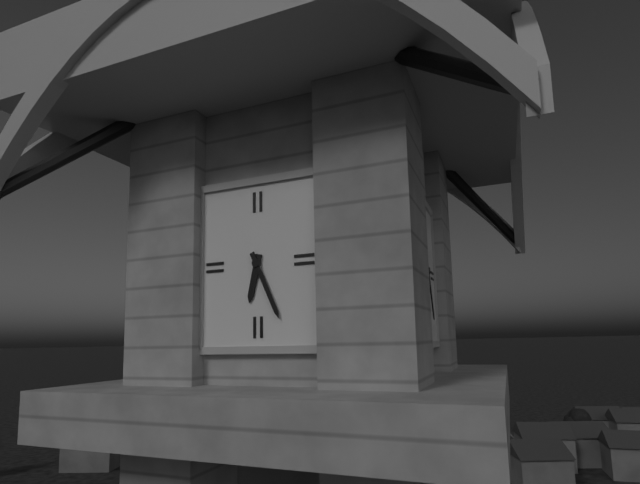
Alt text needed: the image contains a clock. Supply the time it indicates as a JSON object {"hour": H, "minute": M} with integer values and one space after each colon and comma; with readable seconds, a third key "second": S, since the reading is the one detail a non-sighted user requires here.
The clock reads {"hour": 6, "minute": 26}
